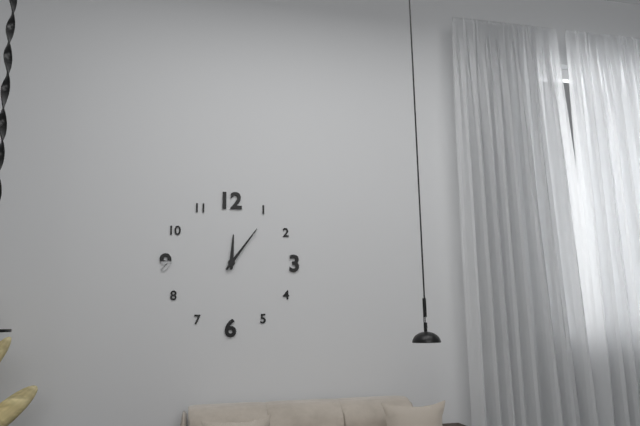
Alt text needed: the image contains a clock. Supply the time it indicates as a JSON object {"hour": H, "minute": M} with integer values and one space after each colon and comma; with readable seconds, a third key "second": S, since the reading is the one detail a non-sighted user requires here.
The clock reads {"hour": 12, "minute": 6}
